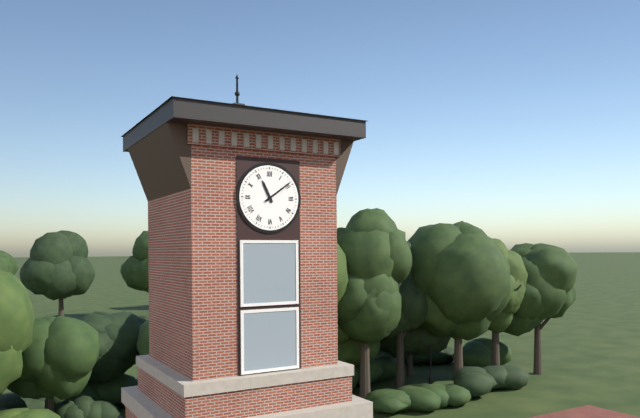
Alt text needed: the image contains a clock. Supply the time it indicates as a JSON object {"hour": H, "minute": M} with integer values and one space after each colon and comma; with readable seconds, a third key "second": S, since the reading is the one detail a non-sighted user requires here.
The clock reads {"hour": 11, "minute": 9}
